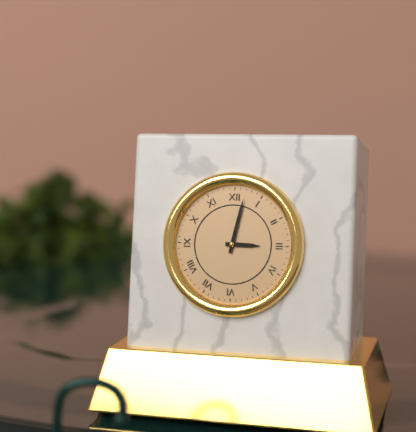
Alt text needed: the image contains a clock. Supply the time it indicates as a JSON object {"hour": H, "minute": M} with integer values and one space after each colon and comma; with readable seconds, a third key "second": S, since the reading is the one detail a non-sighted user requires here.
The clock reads {"hour": 3, "minute": 2}
